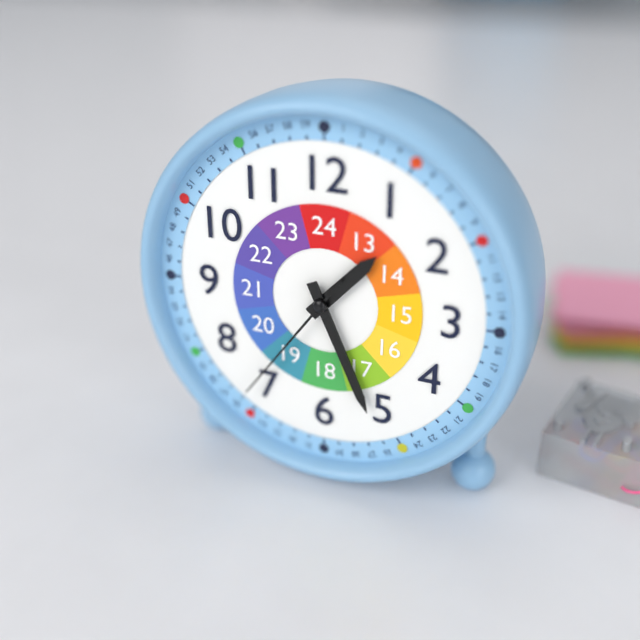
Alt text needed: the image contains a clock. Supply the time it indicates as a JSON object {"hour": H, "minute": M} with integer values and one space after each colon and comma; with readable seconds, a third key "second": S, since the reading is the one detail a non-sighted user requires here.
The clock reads {"hour": 1, "minute": 26, "second": 36}
